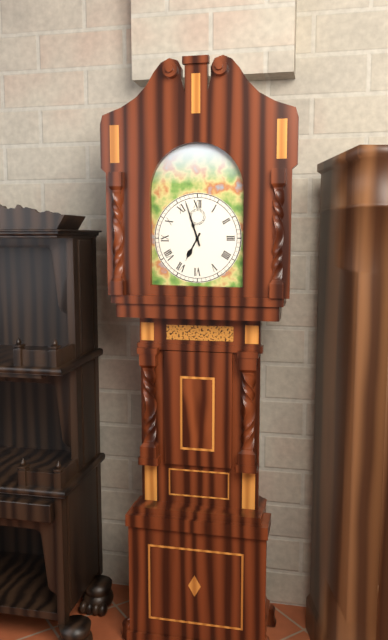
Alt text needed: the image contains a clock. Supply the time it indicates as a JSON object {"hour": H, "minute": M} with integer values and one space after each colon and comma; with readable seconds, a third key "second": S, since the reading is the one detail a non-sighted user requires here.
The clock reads {"hour": 6, "minute": 57}
